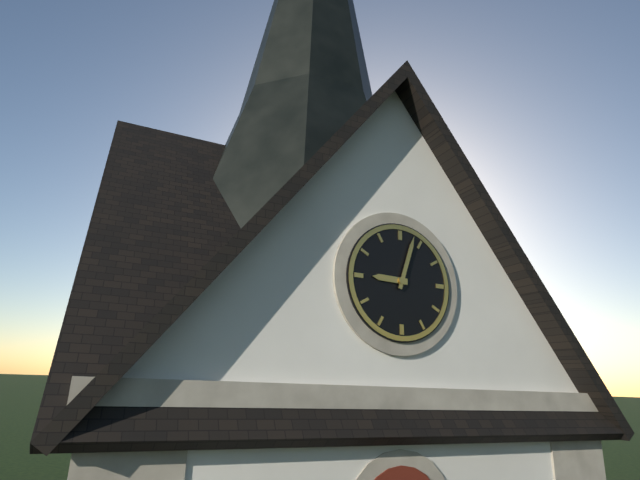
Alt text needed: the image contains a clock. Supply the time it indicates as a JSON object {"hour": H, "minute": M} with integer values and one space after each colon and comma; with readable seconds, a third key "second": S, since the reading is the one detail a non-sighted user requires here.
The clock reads {"hour": 9, "minute": 3}
